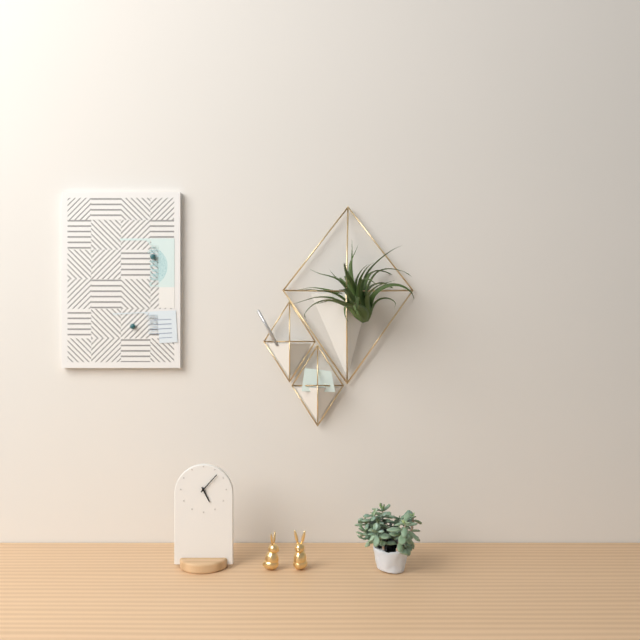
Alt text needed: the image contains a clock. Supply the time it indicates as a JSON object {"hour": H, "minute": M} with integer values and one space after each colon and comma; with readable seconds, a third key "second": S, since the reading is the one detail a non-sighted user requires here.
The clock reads {"hour": 5, "minute": 7}
